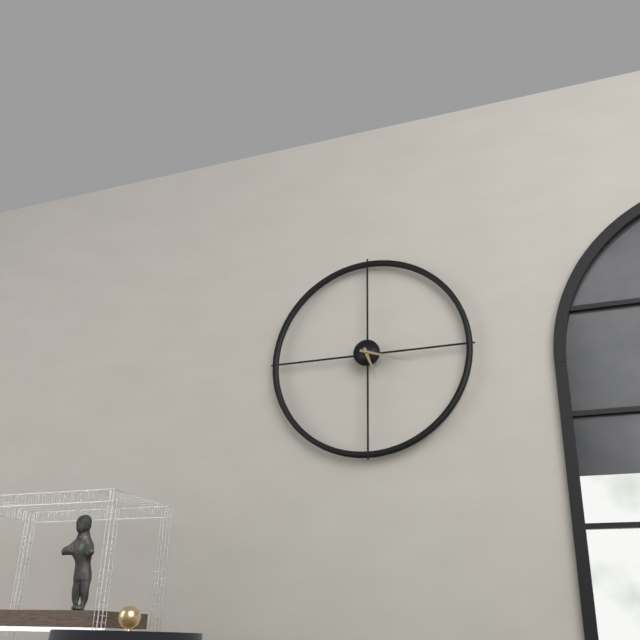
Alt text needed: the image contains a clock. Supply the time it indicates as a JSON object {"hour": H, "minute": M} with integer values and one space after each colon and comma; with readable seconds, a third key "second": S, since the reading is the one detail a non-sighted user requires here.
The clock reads {"hour": 5, "minute": 18}
